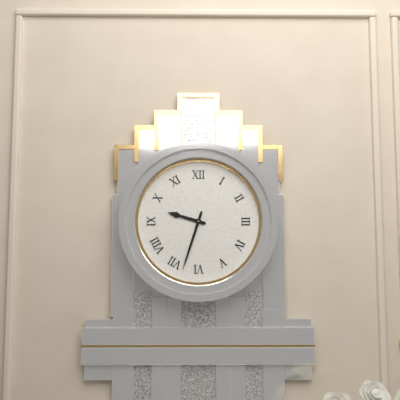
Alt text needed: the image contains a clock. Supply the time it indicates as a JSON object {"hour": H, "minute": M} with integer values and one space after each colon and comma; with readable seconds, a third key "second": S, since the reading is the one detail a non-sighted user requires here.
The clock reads {"hour": 9, "minute": 33}
